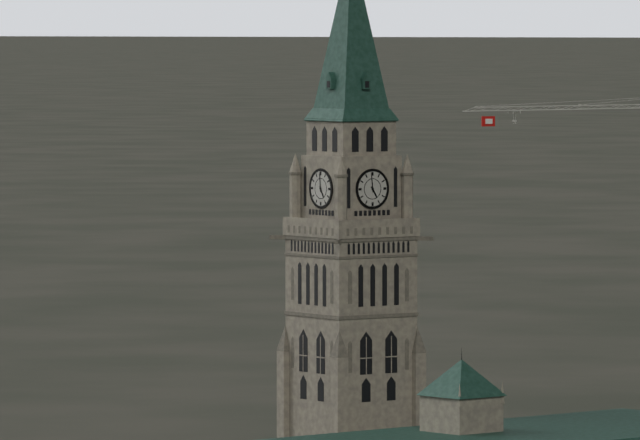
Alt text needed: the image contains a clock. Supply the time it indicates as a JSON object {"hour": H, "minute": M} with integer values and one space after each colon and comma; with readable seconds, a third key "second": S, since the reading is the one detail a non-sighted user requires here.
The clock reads {"hour": 4, "minute": 59}
